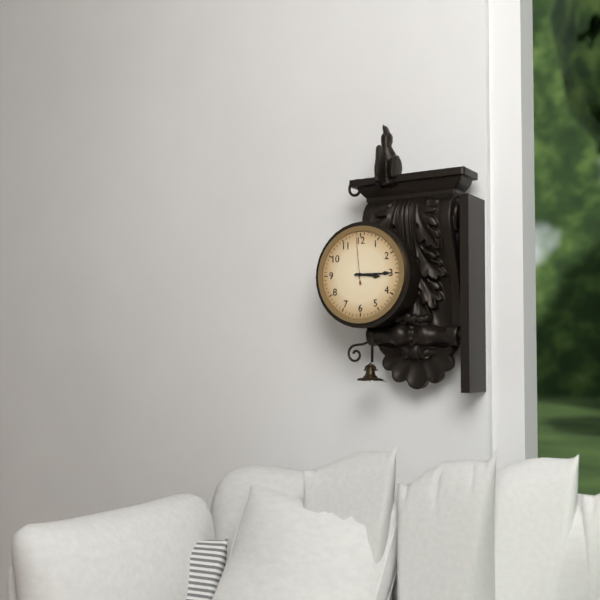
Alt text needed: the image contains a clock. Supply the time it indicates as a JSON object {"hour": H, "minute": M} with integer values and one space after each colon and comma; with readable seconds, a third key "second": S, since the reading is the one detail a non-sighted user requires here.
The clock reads {"hour": 3, "minute": 15}
